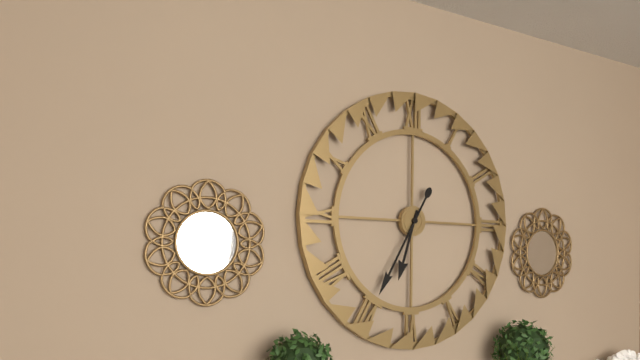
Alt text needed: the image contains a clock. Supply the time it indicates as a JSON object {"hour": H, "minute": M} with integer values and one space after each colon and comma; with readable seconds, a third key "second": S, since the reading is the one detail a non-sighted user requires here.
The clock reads {"hour": 6, "minute": 35}
